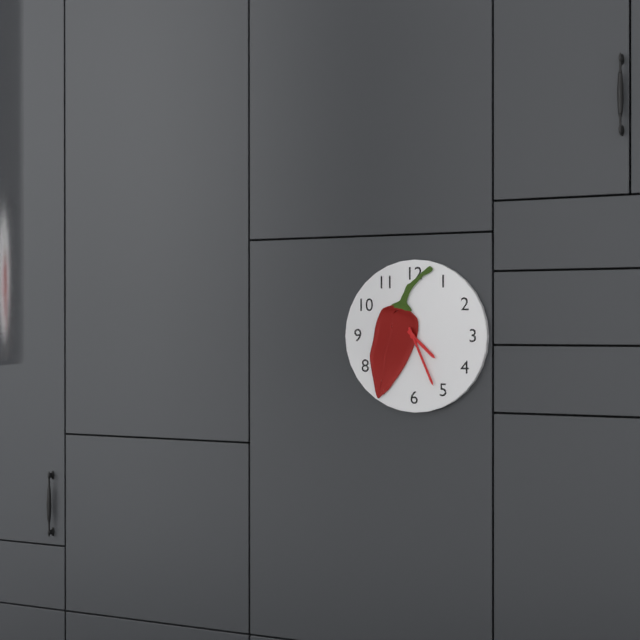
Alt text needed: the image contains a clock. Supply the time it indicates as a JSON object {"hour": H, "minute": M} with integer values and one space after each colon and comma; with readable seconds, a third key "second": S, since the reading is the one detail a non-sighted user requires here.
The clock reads {"hour": 4, "minute": 26}
